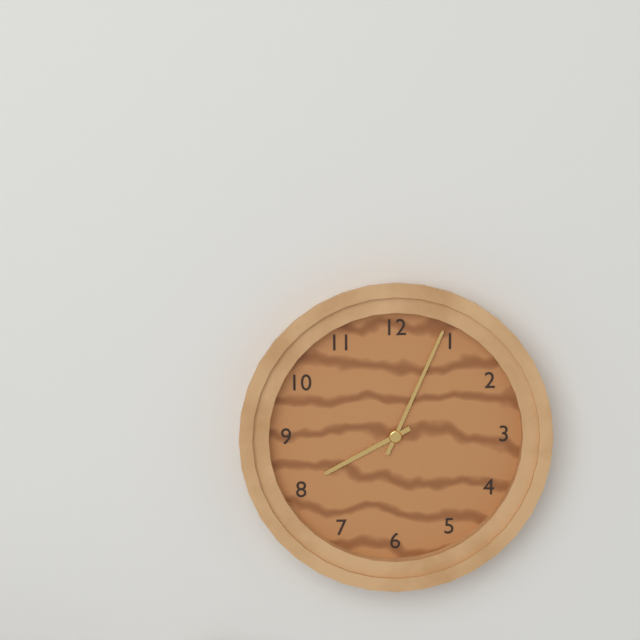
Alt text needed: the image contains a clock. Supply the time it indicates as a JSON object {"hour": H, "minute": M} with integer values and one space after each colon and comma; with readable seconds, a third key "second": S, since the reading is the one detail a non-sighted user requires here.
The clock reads {"hour": 8, "minute": 4}
